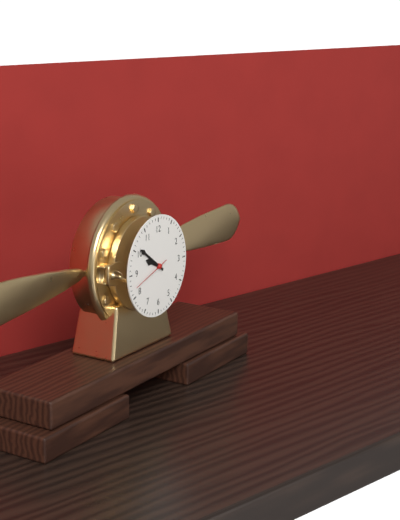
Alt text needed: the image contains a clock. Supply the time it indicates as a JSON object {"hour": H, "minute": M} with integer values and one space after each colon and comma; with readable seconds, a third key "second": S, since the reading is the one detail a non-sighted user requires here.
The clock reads {"hour": 9, "minute": 51}
